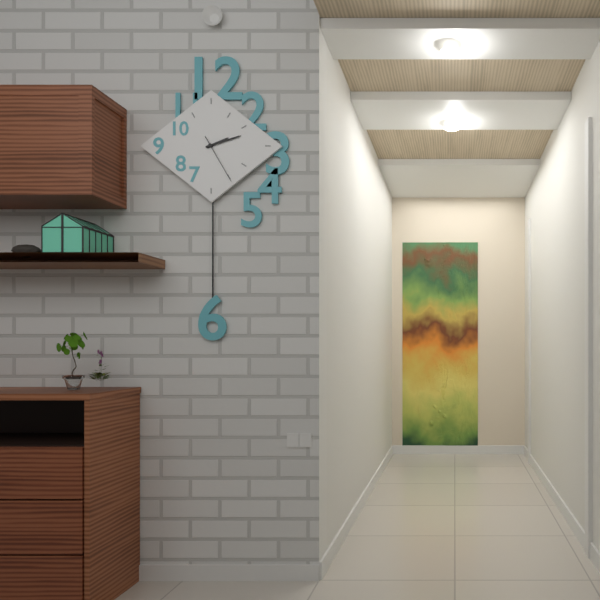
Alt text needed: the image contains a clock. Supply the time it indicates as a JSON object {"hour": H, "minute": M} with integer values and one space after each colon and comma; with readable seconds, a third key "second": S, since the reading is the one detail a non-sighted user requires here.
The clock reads {"hour": 2, "minute": 12}
